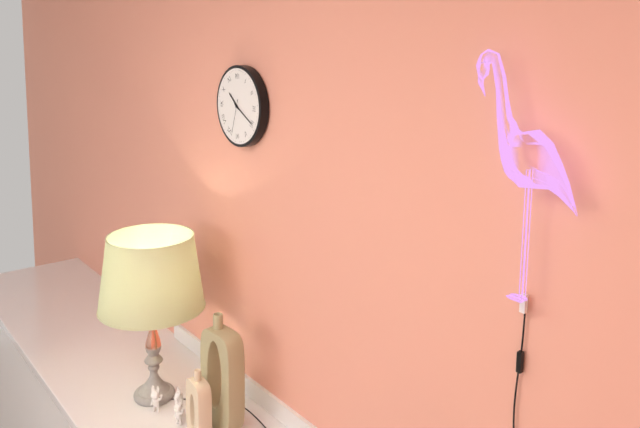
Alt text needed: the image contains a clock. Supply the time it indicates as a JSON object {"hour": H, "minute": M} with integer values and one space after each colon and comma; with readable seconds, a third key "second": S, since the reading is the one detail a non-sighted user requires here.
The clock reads {"hour": 10, "minute": 20}
